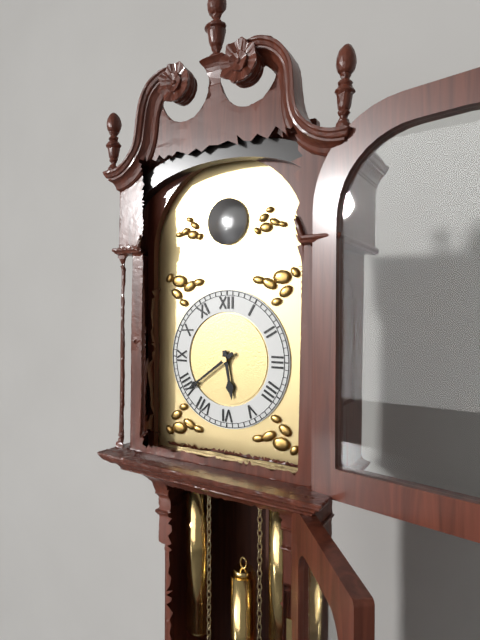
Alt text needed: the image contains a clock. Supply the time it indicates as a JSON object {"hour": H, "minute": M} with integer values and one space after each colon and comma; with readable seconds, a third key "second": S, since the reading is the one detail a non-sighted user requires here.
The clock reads {"hour": 5, "minute": 39}
